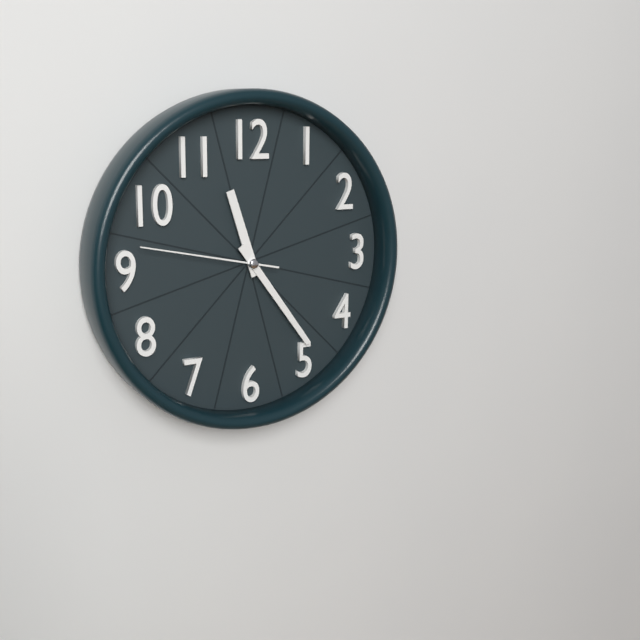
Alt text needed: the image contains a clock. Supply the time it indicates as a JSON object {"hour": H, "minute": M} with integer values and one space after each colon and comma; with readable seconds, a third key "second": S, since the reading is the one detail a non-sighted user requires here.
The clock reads {"hour": 11, "minute": 24, "second": 47}
